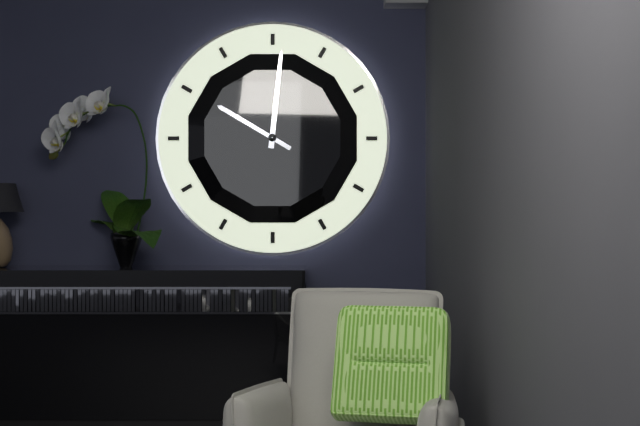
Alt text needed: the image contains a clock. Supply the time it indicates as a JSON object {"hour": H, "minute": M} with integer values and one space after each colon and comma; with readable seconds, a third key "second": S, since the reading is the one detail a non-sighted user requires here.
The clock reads {"hour": 10, "minute": 1}
